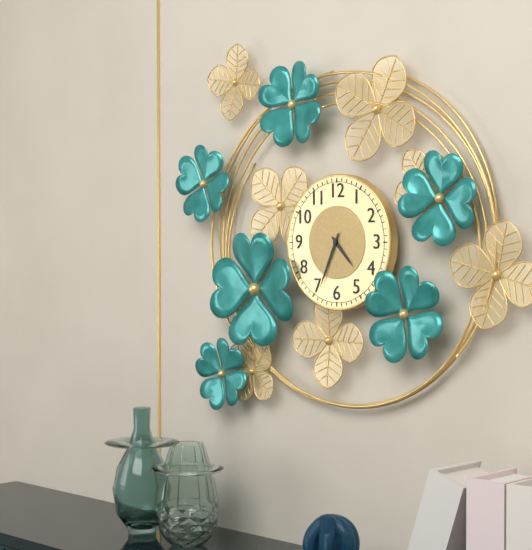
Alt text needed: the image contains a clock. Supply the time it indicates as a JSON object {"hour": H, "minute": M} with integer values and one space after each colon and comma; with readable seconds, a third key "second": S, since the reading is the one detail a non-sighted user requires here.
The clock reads {"hour": 4, "minute": 34}
